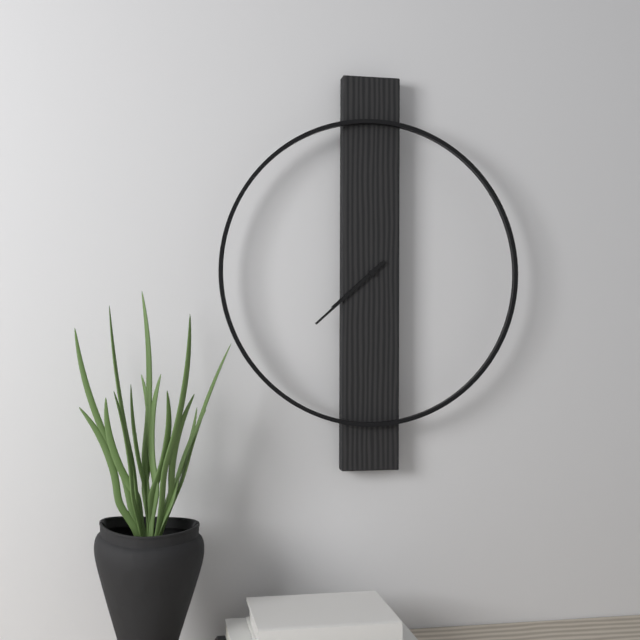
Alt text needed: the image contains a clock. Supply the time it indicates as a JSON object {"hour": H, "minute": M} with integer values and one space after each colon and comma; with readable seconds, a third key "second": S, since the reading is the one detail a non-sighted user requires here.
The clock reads {"hour": 7, "minute": 38}
